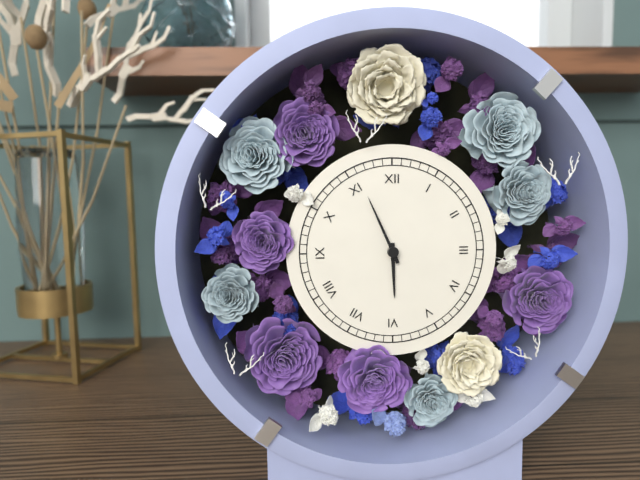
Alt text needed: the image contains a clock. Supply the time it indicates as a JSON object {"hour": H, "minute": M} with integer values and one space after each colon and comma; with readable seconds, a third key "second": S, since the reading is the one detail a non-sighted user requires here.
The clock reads {"hour": 5, "minute": 56}
